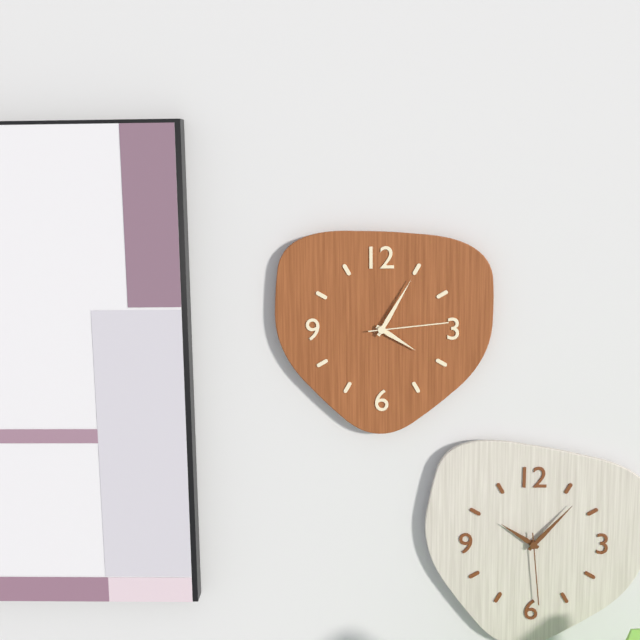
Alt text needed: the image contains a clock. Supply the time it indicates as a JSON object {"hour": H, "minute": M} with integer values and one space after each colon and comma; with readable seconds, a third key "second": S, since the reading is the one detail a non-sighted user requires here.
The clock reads {"hour": 4, "minute": 5, "second": 14}
